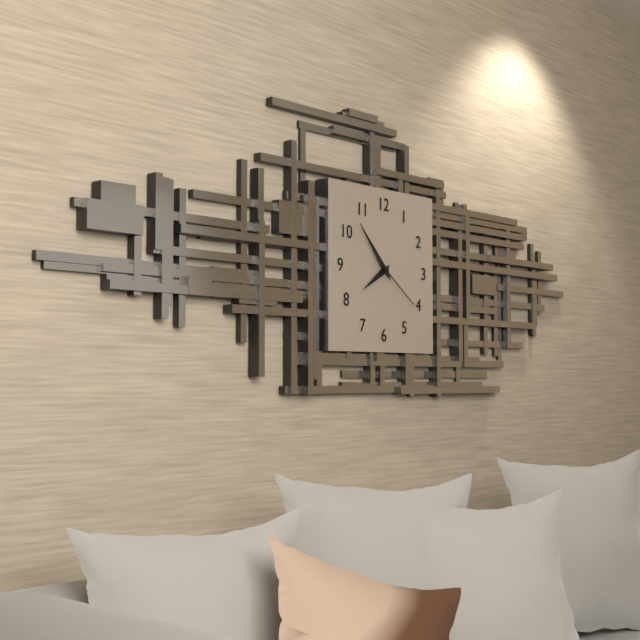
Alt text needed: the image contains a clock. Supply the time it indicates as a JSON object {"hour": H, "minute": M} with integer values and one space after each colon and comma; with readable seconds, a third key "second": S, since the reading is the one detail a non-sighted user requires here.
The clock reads {"hour": 7, "minute": 53, "second": 21}
